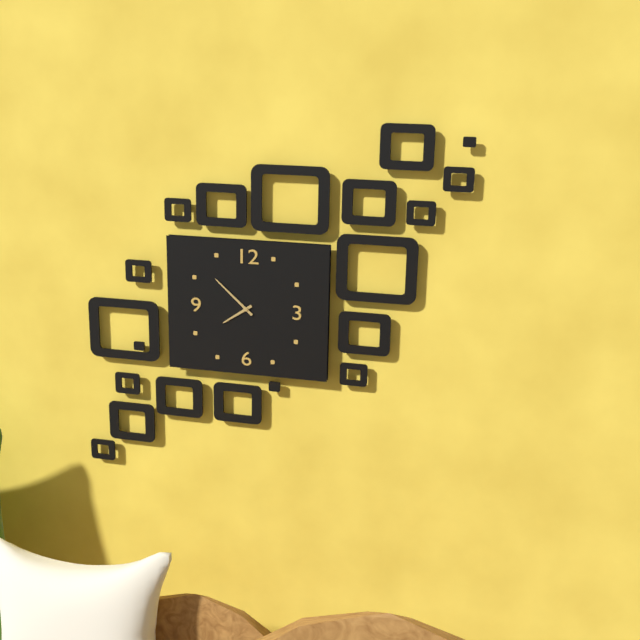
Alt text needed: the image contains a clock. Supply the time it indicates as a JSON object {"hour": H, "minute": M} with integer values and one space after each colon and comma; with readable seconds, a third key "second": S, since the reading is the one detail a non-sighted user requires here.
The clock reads {"hour": 7, "minute": 52}
